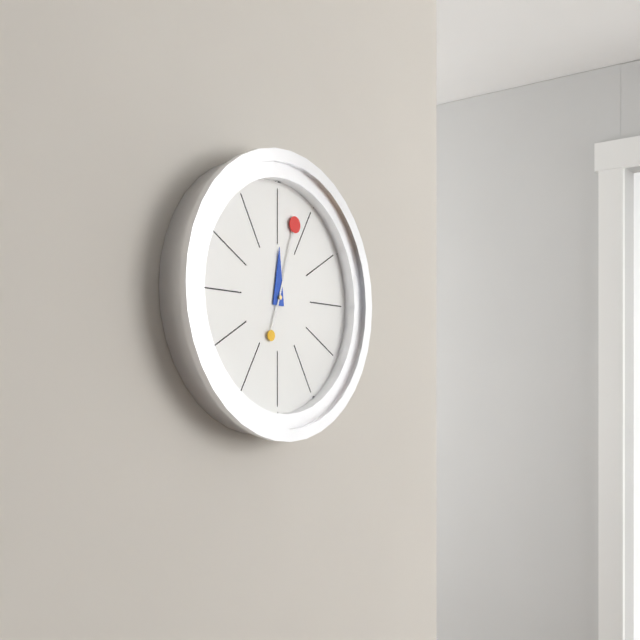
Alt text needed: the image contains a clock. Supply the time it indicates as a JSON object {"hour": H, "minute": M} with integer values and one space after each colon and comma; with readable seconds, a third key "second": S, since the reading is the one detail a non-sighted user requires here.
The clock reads {"hour": 12, "minute": 3}
